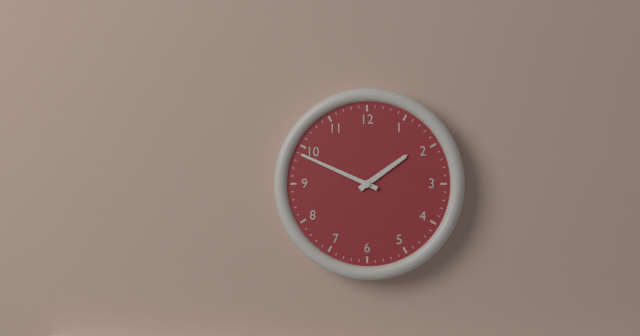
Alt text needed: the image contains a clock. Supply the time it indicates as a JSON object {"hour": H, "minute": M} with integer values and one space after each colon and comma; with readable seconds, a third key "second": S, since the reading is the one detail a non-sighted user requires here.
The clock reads {"hour": 1, "minute": 49}
